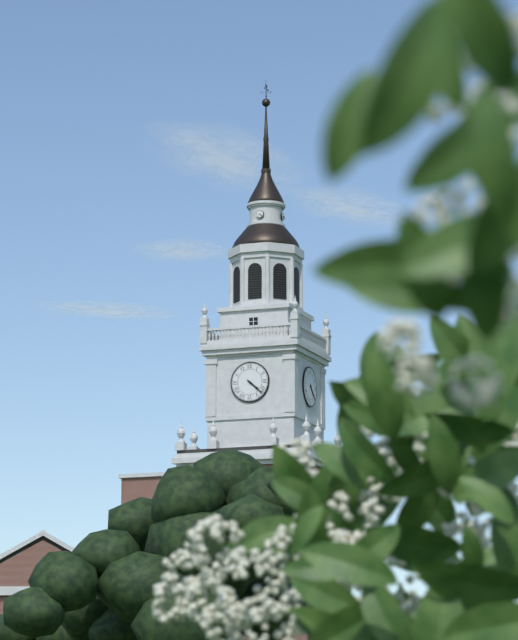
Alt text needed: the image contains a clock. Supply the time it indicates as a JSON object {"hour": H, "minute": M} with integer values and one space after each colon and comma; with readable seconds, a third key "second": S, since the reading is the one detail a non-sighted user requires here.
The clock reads {"hour": 4, "minute": 22}
